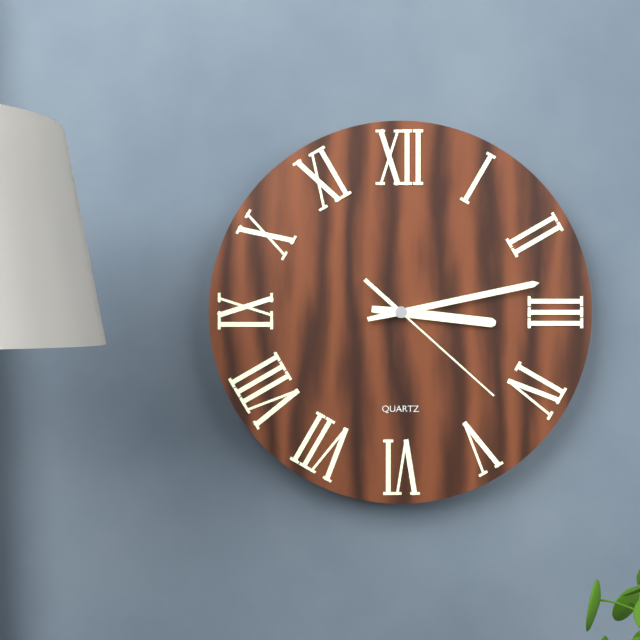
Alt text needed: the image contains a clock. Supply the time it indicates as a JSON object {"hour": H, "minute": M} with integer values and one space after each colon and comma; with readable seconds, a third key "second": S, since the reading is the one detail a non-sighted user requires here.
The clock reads {"hour": 3, "minute": 13, "second": 22}
